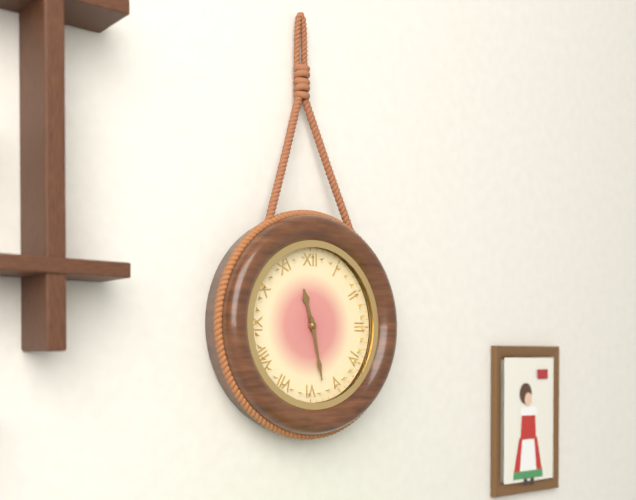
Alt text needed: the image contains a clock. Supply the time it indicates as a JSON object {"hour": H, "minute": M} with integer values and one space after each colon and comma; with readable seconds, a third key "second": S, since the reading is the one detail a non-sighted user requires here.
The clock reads {"hour": 11, "minute": 28}
